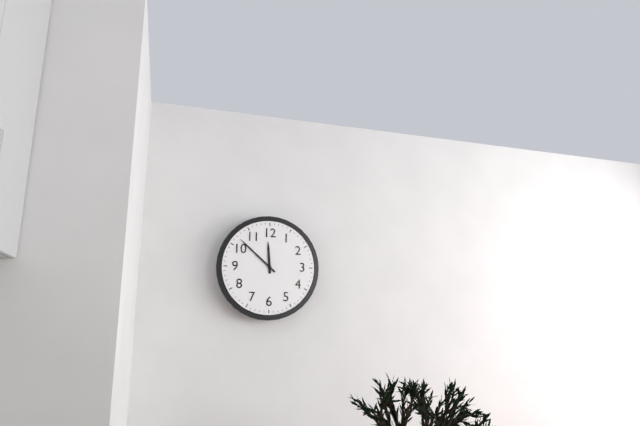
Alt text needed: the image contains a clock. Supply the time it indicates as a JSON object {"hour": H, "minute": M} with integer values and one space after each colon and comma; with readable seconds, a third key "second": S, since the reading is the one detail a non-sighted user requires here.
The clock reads {"hour": 11, "minute": 52}
